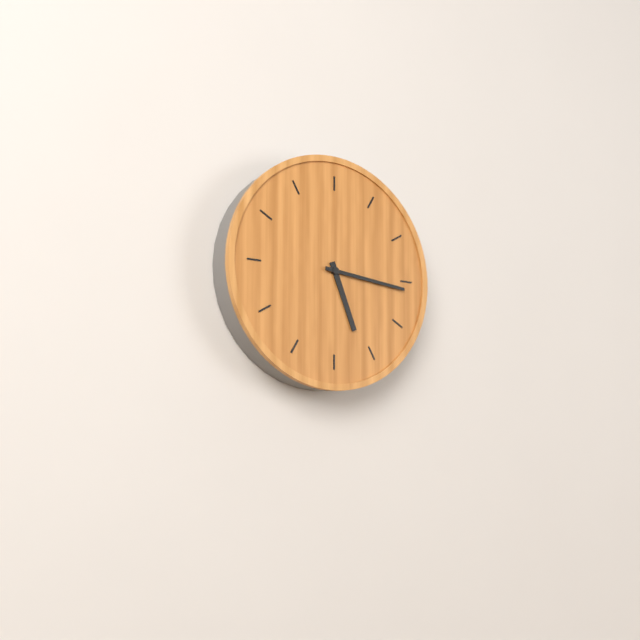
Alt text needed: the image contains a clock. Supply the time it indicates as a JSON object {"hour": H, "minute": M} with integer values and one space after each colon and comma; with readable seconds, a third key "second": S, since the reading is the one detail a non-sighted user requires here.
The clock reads {"hour": 5, "minute": 16}
